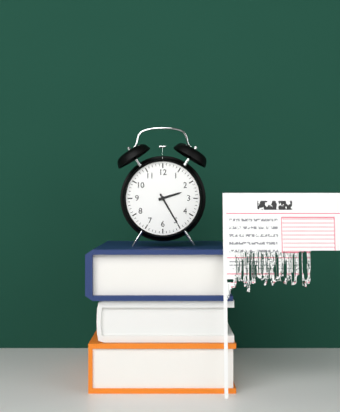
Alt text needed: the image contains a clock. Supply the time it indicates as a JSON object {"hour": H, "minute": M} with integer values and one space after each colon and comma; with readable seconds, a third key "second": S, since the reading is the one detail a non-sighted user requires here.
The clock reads {"hour": 2, "minute": 25}
